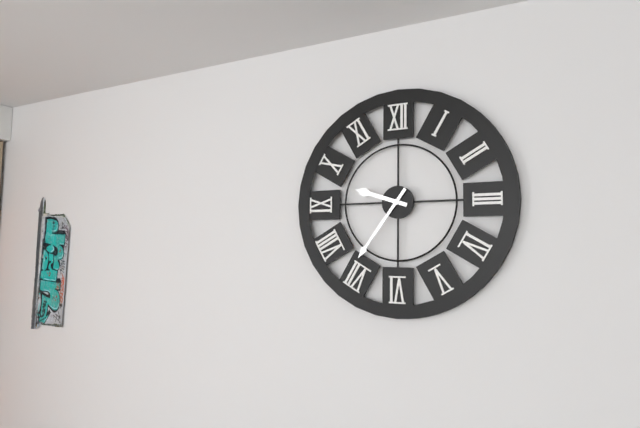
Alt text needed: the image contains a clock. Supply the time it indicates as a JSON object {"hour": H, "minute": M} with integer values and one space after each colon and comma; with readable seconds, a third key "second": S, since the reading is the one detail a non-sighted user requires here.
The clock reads {"hour": 9, "minute": 36}
